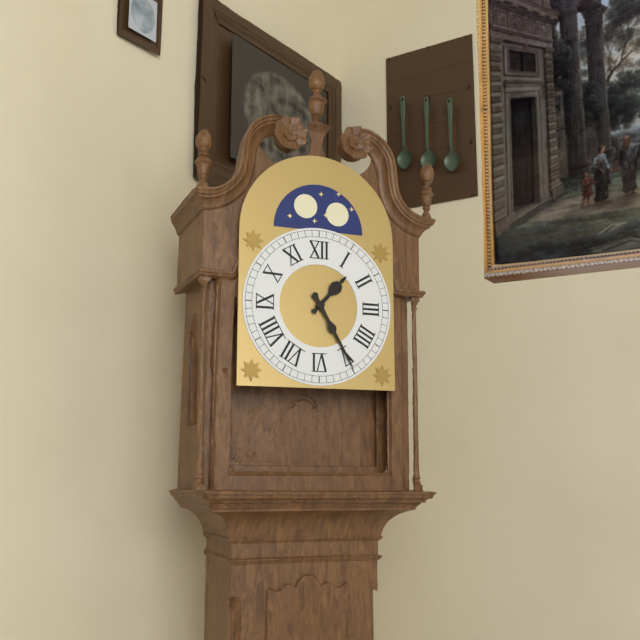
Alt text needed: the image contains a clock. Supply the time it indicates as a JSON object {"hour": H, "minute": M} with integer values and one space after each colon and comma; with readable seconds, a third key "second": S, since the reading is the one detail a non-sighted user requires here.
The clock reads {"hour": 1, "minute": 25}
